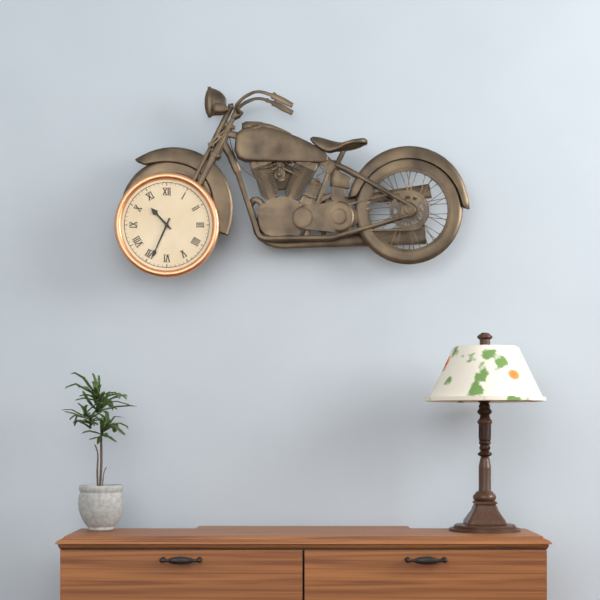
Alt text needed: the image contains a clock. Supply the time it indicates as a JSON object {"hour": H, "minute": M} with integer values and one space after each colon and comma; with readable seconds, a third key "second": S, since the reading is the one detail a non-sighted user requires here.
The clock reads {"hour": 10, "minute": 34}
